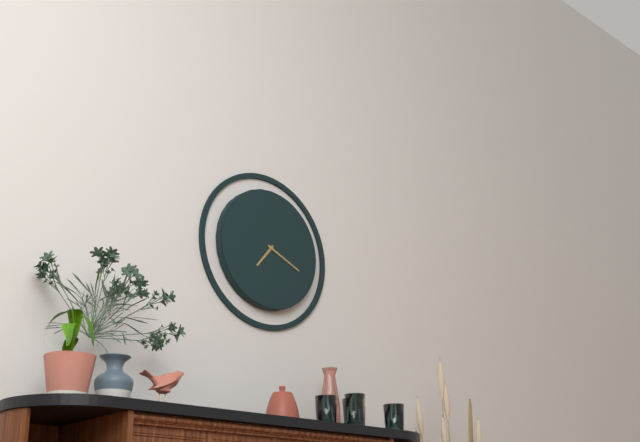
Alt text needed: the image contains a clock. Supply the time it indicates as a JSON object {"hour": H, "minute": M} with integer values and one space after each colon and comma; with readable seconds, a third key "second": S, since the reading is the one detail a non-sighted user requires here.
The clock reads {"hour": 7, "minute": 19}
